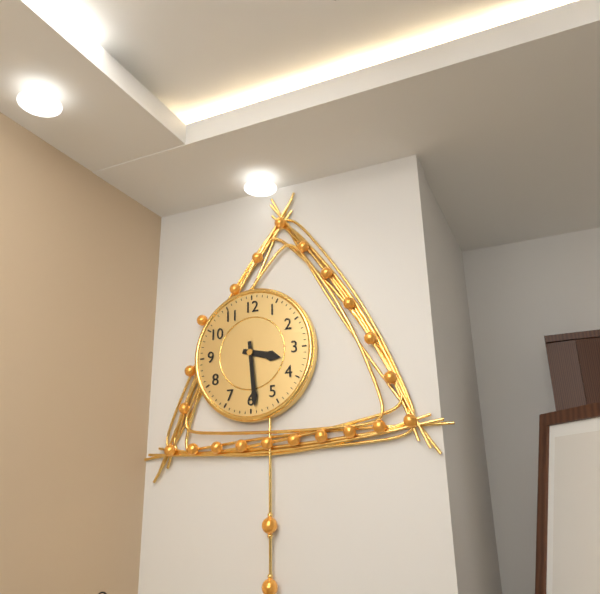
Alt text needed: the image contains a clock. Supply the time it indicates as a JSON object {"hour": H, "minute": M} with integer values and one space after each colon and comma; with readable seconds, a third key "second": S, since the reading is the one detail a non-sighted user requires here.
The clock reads {"hour": 3, "minute": 29}
